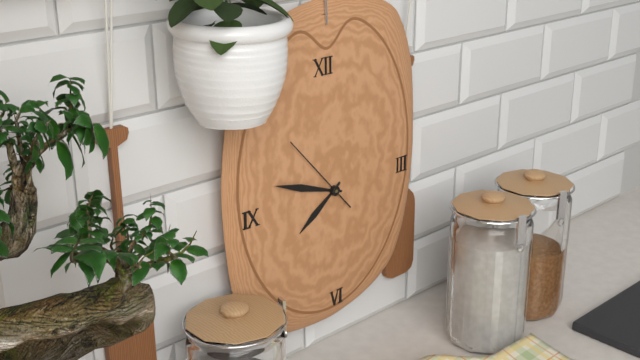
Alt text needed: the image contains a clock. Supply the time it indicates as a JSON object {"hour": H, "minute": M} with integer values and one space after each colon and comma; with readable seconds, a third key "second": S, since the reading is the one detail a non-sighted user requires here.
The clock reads {"hour": 7, "minute": 48, "second": 53}
